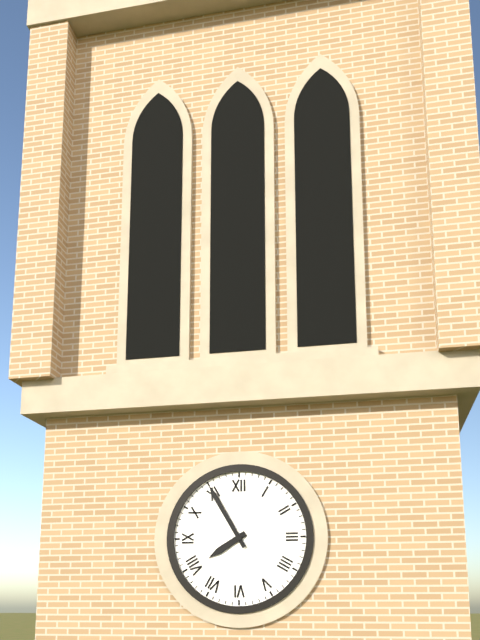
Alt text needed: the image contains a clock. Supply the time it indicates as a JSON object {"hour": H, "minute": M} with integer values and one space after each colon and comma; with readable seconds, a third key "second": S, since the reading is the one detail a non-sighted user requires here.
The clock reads {"hour": 7, "minute": 55}
